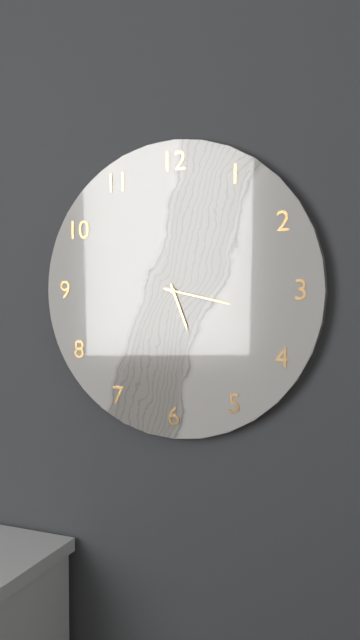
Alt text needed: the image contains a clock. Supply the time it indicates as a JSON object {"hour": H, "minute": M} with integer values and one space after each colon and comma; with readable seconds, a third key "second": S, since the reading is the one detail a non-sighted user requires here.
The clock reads {"hour": 5, "minute": 17}
